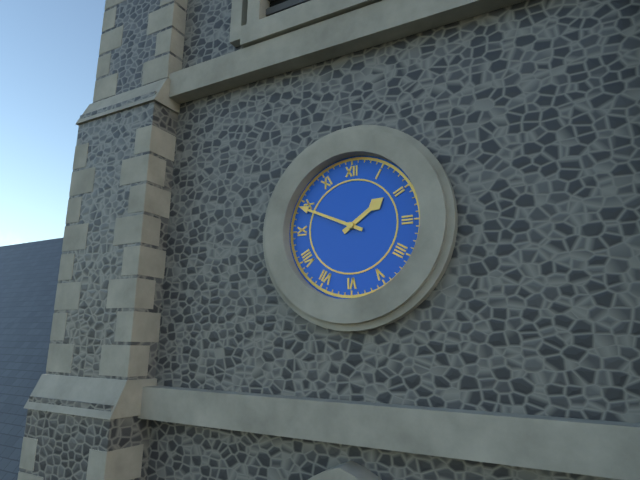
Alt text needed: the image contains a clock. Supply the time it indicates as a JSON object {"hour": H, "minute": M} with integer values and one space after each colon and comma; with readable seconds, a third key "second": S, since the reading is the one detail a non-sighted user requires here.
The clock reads {"hour": 1, "minute": 49}
